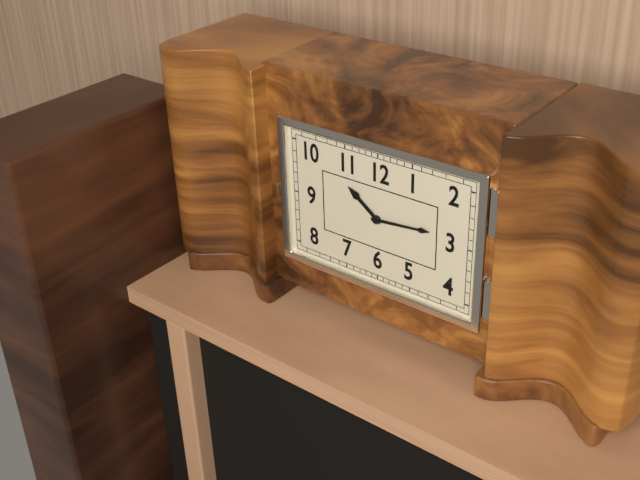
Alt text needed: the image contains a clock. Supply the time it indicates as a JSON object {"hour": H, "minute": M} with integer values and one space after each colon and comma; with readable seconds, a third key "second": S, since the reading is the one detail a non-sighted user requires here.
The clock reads {"hour": 10, "minute": 14}
